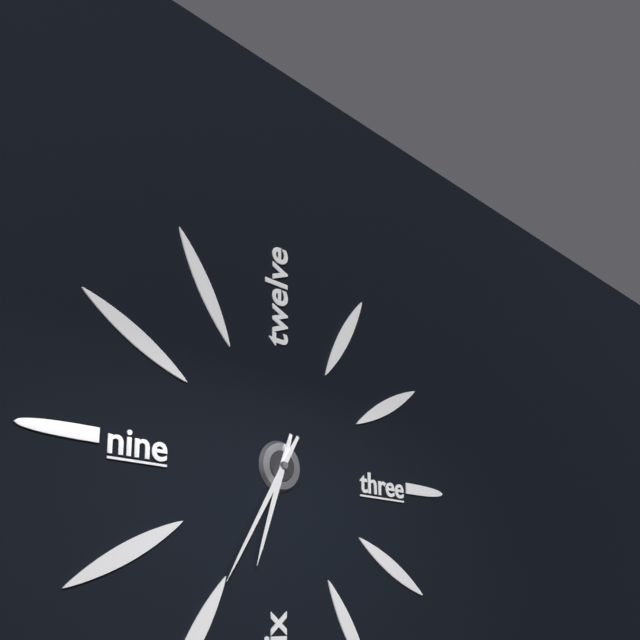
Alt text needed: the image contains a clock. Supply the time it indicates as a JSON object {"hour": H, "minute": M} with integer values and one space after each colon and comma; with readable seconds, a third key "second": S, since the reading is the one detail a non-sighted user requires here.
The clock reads {"hour": 6, "minute": 35}
